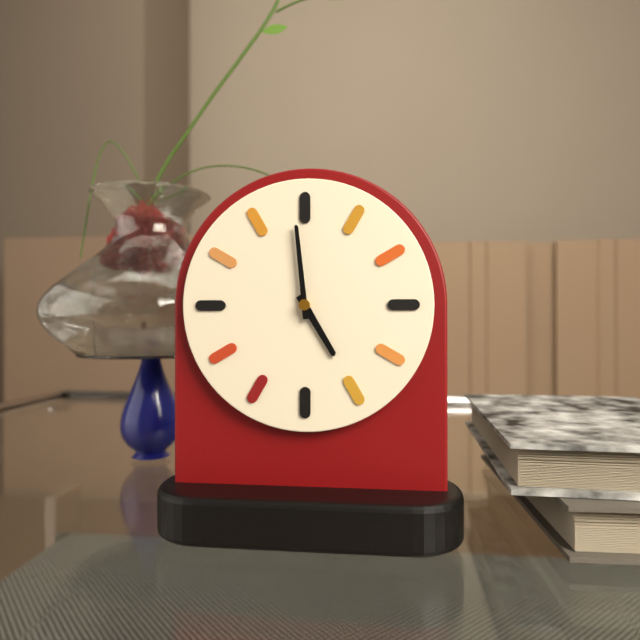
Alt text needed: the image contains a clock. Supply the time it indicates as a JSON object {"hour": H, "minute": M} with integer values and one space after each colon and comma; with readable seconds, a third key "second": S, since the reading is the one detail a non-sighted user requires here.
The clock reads {"hour": 4, "minute": 59}
